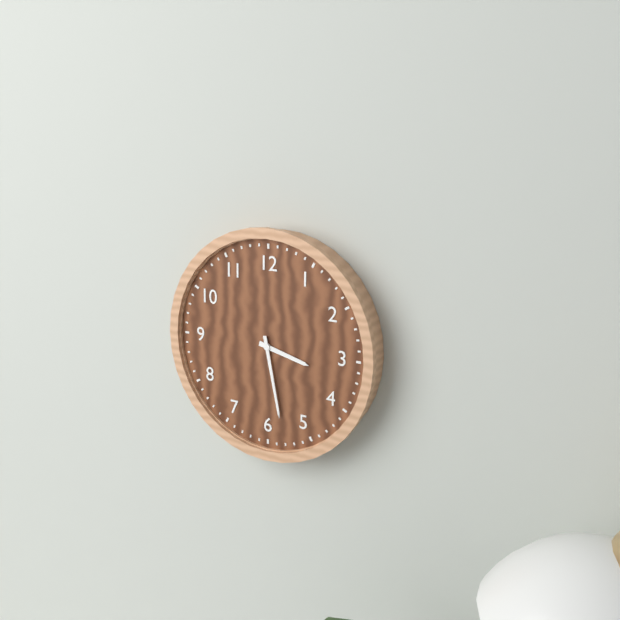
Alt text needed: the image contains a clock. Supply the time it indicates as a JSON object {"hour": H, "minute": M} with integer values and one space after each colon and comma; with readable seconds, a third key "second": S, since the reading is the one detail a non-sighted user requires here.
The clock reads {"hour": 3, "minute": 28}
